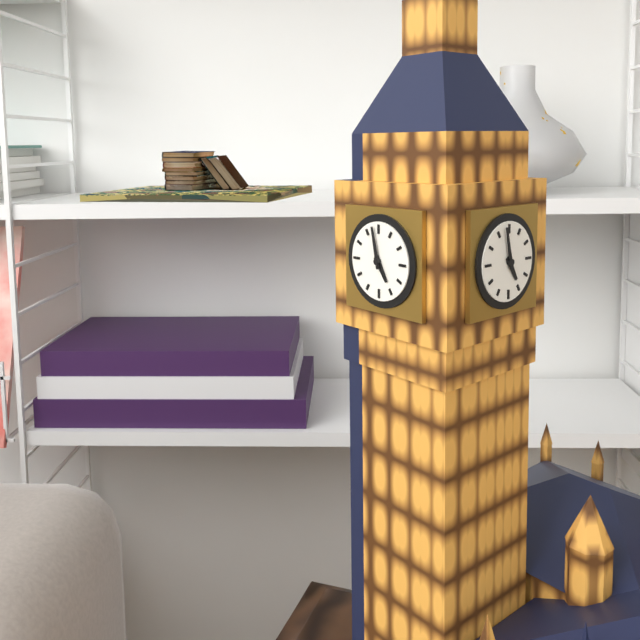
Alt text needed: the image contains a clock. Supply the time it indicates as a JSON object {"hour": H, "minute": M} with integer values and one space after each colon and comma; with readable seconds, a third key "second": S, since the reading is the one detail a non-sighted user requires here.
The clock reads {"hour": 4, "minute": 58}
